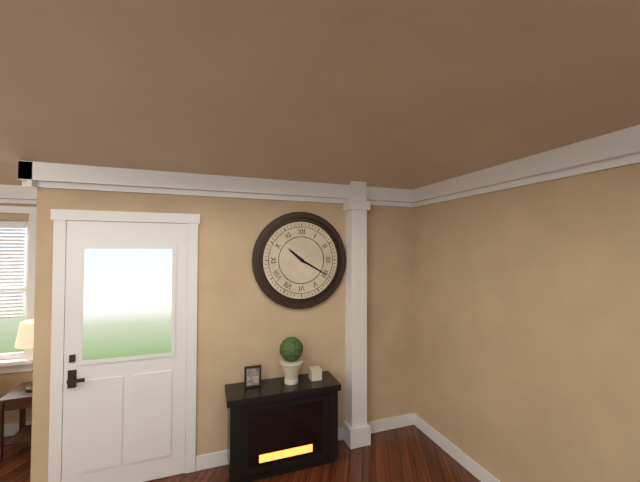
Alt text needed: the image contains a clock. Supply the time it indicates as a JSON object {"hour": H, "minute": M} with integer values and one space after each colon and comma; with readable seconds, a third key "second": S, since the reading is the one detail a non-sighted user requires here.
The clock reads {"hour": 10, "minute": 20}
